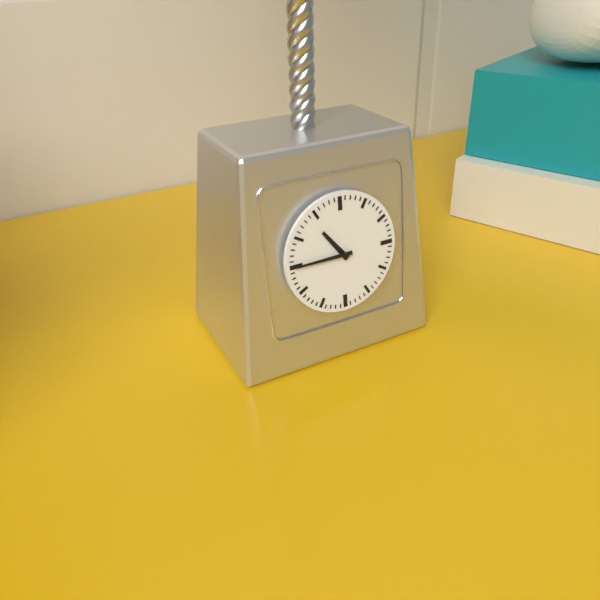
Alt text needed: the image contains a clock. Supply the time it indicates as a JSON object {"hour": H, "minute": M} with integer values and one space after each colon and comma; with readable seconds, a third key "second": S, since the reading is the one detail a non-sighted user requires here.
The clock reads {"hour": 10, "minute": 45}
